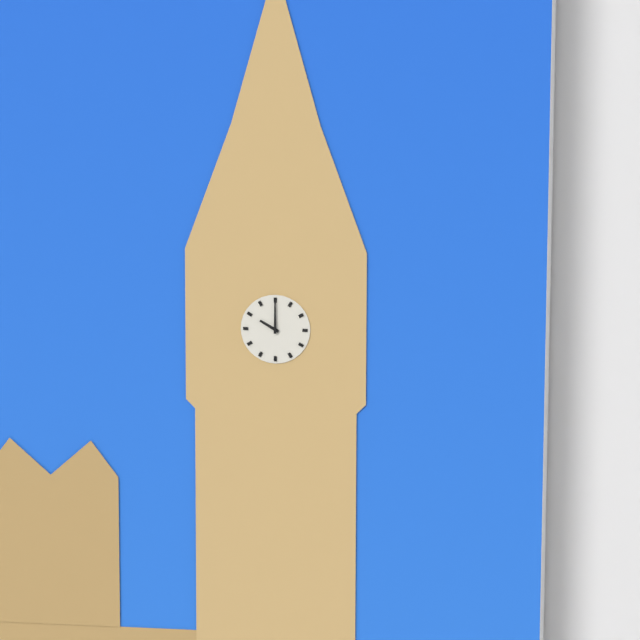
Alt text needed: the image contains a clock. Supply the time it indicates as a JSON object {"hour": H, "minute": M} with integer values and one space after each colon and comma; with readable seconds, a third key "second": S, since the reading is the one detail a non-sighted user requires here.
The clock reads {"hour": 10, "minute": 0}
